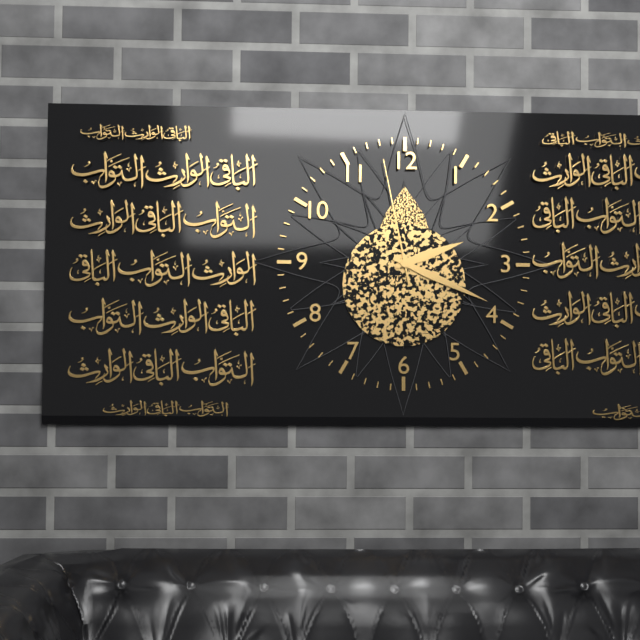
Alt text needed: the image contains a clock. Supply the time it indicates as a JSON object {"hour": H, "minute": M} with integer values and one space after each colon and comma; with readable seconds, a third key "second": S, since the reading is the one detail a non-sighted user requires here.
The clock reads {"hour": 2, "minute": 19, "second": 58}
